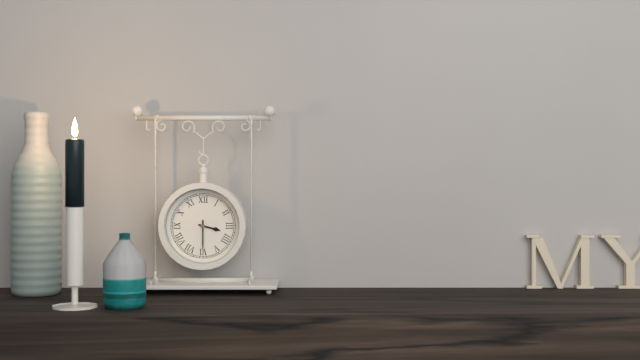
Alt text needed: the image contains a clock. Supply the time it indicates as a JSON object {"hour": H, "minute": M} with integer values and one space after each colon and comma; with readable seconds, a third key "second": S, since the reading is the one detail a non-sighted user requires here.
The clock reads {"hour": 3, "minute": 30}
